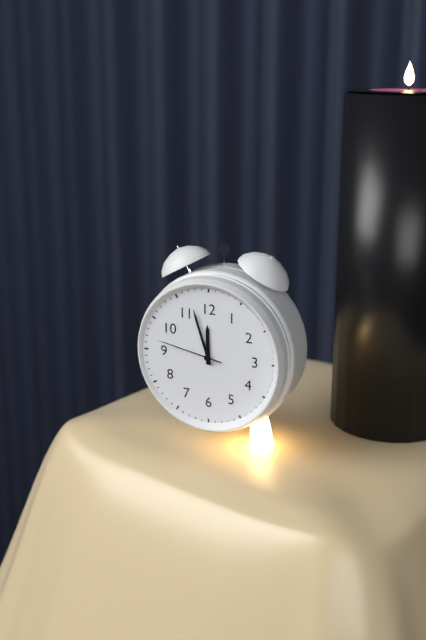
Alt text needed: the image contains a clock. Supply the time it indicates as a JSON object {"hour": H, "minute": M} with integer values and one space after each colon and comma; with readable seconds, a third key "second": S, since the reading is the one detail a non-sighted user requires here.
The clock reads {"hour": 11, "minute": 57, "second": 47}
